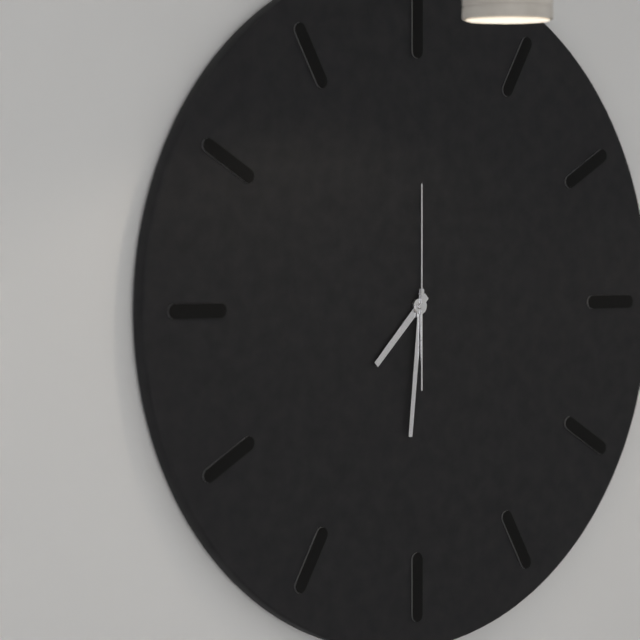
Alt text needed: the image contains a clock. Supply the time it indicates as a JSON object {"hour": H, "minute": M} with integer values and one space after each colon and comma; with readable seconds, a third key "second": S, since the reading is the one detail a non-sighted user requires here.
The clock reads {"hour": 7, "minute": 31, "second": 0}
